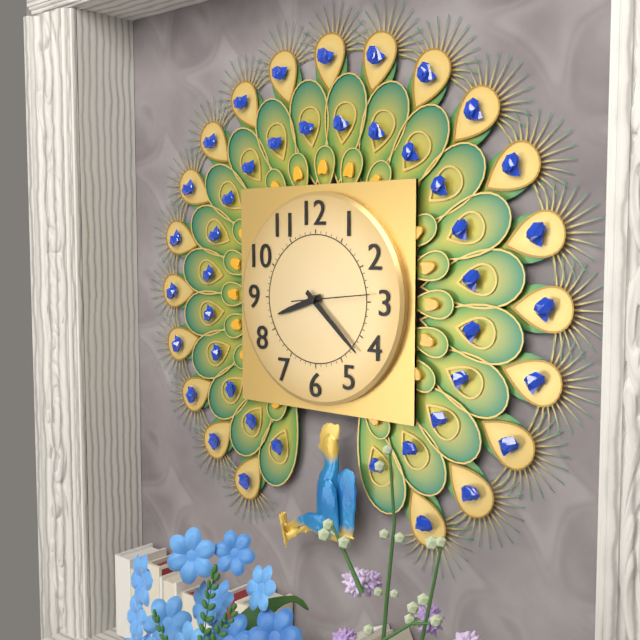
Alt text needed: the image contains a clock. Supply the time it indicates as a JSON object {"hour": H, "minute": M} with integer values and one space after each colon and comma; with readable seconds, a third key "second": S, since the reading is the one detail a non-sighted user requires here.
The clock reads {"hour": 8, "minute": 22}
